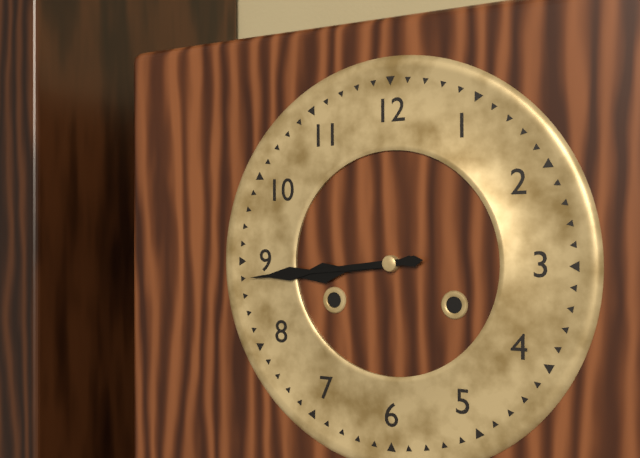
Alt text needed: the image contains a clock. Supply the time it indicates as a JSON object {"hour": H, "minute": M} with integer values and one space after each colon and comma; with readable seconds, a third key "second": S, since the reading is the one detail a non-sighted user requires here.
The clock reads {"hour": 8, "minute": 44}
